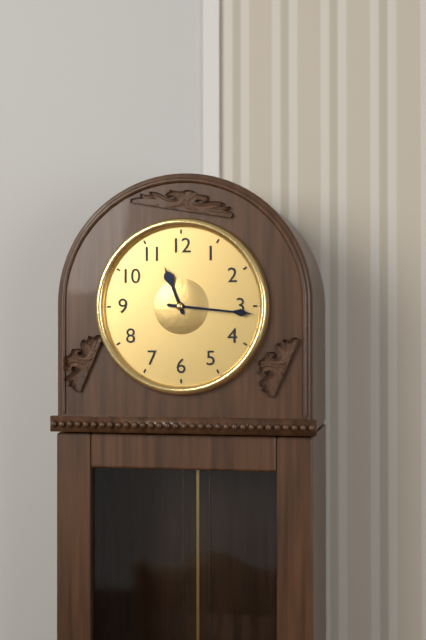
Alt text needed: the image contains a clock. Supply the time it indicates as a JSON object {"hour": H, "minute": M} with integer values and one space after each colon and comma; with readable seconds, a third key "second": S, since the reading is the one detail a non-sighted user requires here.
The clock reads {"hour": 11, "minute": 16}
